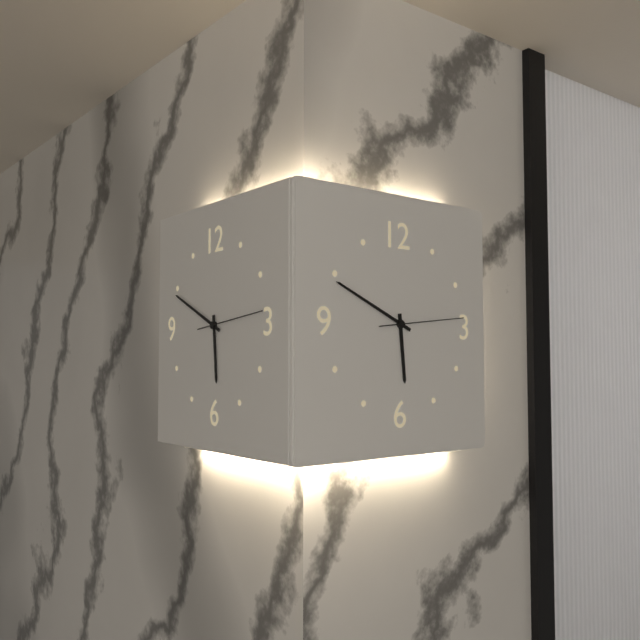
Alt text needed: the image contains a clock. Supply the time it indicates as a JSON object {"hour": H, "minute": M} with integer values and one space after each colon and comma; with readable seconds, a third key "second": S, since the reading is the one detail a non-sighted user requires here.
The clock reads {"hour": 5, "minute": 49, "second": 14}
